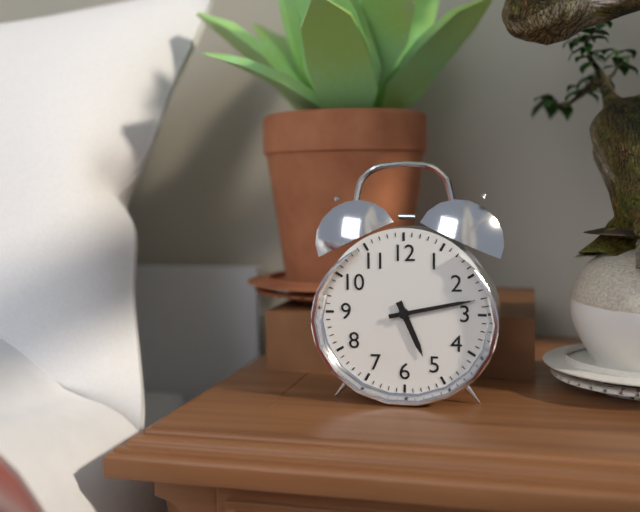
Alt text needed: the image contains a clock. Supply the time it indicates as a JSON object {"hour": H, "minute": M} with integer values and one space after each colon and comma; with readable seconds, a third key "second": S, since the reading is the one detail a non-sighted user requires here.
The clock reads {"hour": 5, "minute": 13}
